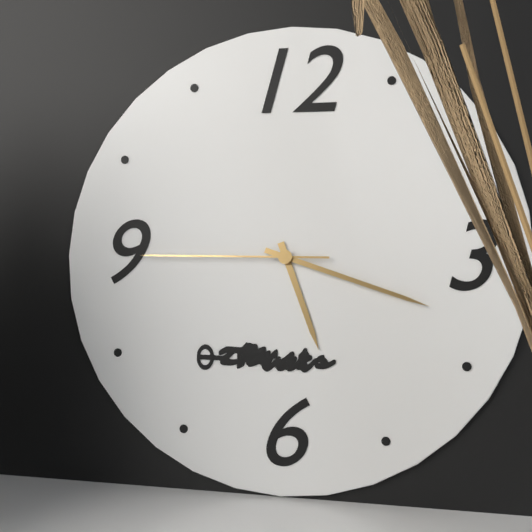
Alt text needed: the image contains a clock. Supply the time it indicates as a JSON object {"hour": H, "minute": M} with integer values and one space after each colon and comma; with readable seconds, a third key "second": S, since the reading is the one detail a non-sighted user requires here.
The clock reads {"hour": 5, "minute": 18, "second": 45}
